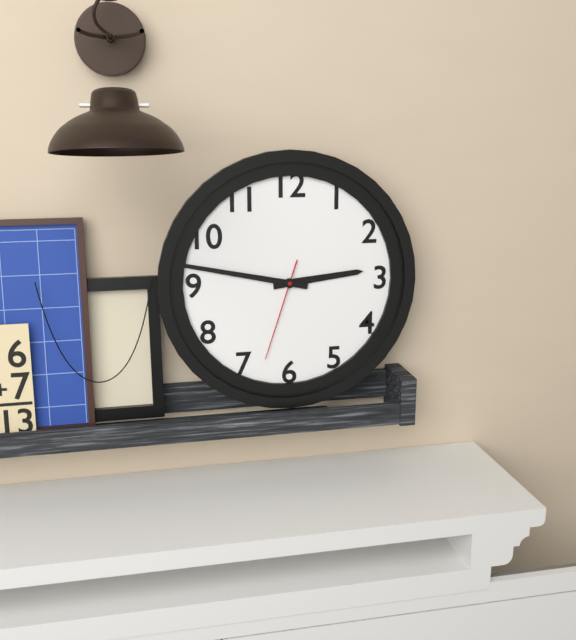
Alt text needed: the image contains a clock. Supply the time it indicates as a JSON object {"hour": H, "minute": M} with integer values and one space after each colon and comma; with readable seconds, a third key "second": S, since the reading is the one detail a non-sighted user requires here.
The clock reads {"hour": 2, "minute": 47, "second": 33}
